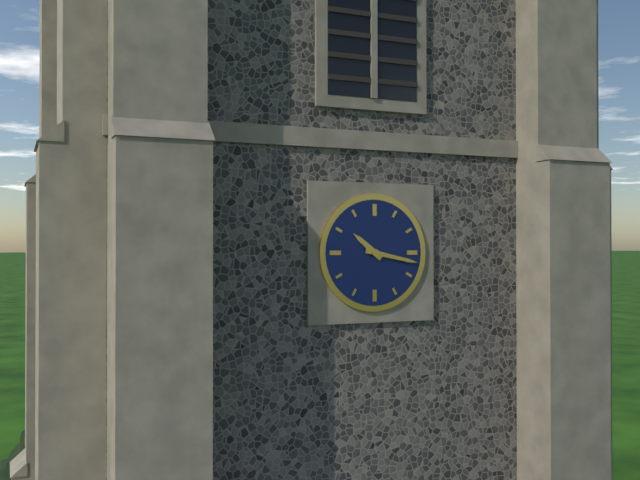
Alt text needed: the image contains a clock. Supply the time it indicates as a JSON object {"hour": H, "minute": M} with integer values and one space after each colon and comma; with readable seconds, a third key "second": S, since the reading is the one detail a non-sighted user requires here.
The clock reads {"hour": 10, "minute": 17}
